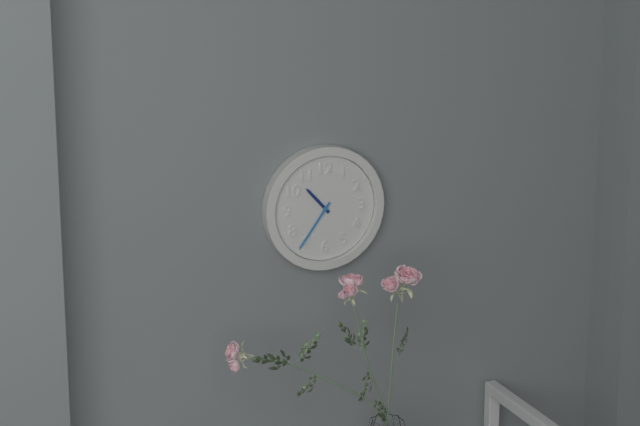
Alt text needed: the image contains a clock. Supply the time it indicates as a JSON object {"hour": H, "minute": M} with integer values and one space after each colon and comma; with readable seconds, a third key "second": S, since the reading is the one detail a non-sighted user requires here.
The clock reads {"hour": 10, "minute": 36}
